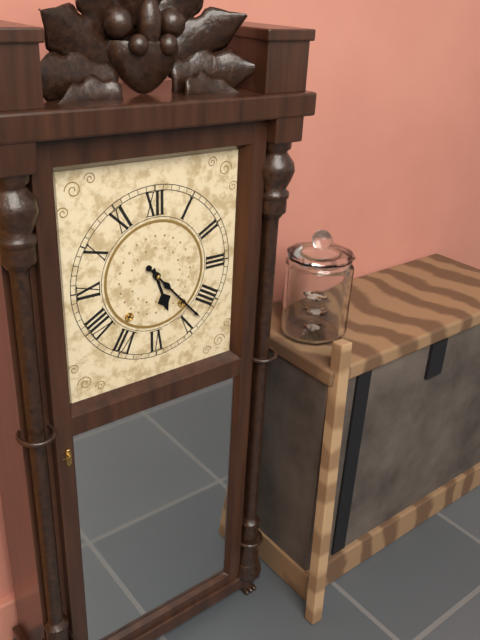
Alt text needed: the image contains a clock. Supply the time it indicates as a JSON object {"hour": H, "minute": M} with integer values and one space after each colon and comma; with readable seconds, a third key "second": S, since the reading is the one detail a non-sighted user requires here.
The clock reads {"hour": 5, "minute": 23}
